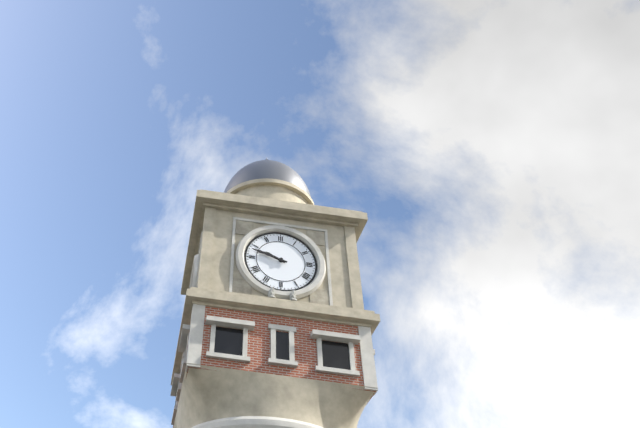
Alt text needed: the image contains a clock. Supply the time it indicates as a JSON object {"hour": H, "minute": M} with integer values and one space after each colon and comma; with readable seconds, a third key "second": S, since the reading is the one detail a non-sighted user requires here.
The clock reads {"hour": 9, "minute": 48}
